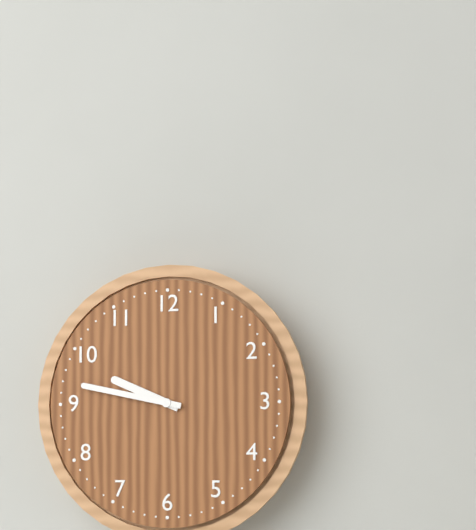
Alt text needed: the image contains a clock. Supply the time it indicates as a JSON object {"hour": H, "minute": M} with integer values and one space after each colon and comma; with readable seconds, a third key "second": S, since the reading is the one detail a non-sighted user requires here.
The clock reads {"hour": 9, "minute": 47}
